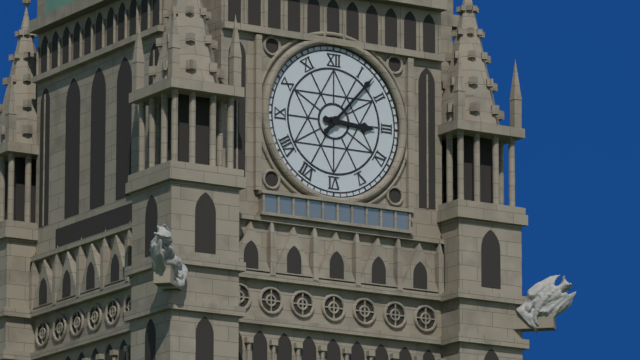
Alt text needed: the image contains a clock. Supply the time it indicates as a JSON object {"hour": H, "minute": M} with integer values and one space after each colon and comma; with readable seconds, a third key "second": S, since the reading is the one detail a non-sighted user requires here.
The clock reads {"hour": 3, "minute": 7}
